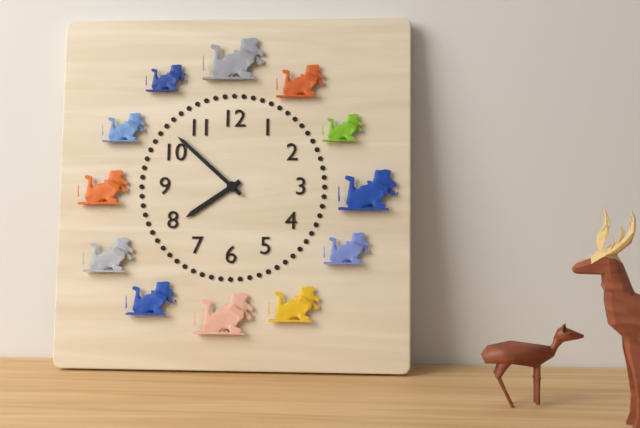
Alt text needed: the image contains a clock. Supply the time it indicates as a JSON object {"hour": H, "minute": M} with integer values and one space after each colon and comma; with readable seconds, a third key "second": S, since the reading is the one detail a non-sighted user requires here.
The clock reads {"hour": 7, "minute": 52}
